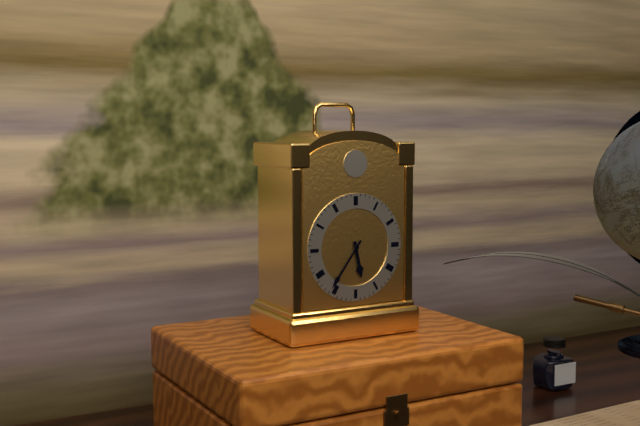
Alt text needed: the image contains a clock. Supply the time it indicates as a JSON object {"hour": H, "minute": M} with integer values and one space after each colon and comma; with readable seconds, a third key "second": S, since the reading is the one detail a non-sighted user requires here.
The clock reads {"hour": 5, "minute": 36}
